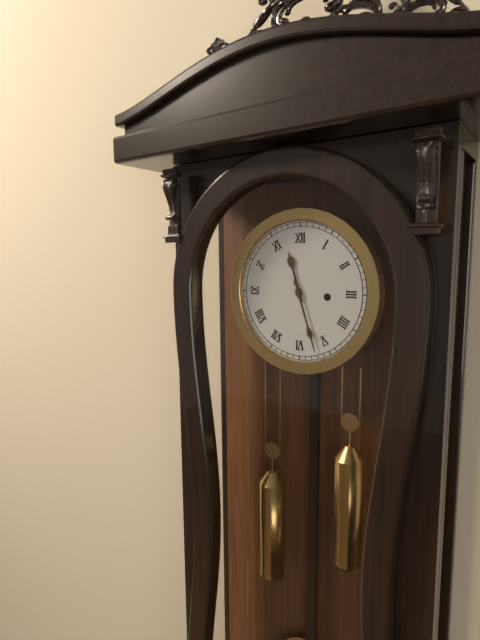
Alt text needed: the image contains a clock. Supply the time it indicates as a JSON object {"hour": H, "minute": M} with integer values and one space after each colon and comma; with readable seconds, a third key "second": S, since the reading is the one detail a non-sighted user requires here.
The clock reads {"hour": 11, "minute": 27}
